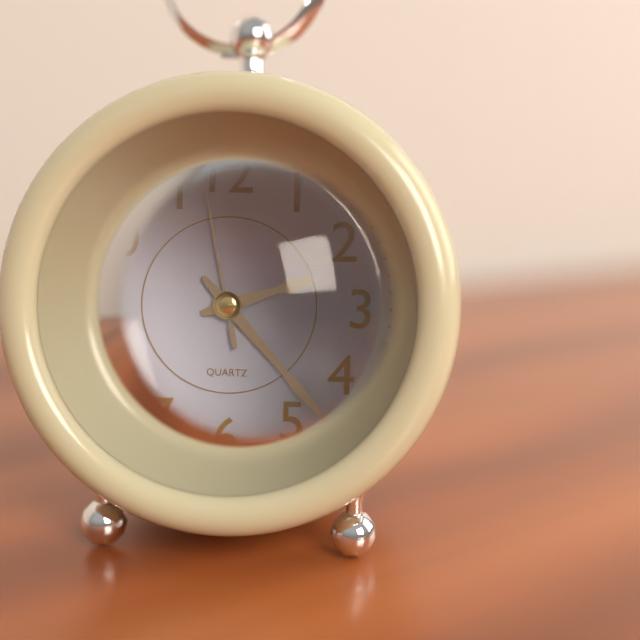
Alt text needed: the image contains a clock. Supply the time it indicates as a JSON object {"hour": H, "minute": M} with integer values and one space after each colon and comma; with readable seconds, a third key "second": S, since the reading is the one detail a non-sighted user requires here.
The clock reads {"hour": 2, "minute": 23, "second": 58}
